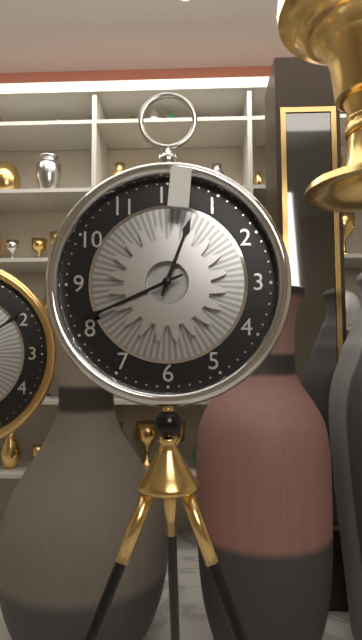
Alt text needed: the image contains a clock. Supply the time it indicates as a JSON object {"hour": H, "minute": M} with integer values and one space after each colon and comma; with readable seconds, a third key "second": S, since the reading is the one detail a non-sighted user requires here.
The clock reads {"hour": 12, "minute": 41}
